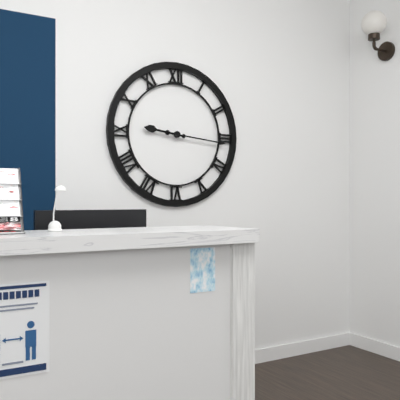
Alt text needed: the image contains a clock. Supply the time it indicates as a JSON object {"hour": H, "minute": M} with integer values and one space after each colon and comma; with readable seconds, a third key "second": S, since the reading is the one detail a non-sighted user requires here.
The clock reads {"hour": 9, "minute": 16}
